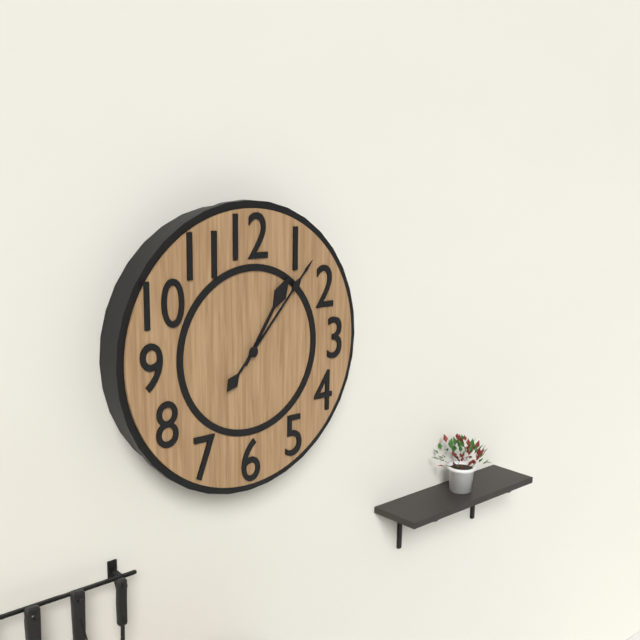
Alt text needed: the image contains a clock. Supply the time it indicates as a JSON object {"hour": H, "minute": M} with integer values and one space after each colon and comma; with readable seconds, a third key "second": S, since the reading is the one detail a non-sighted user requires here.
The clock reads {"hour": 1, "minute": 7}
